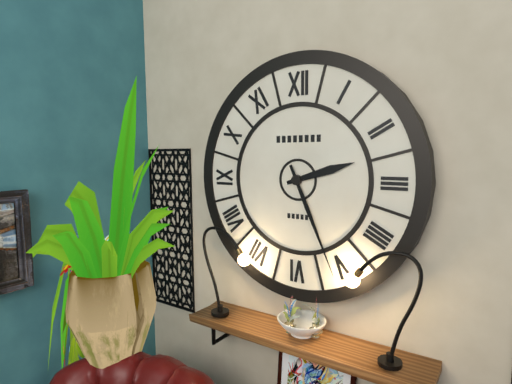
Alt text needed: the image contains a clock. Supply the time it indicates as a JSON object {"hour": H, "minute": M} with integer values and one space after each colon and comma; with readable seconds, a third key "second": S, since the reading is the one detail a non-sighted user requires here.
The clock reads {"hour": 2, "minute": 26}
